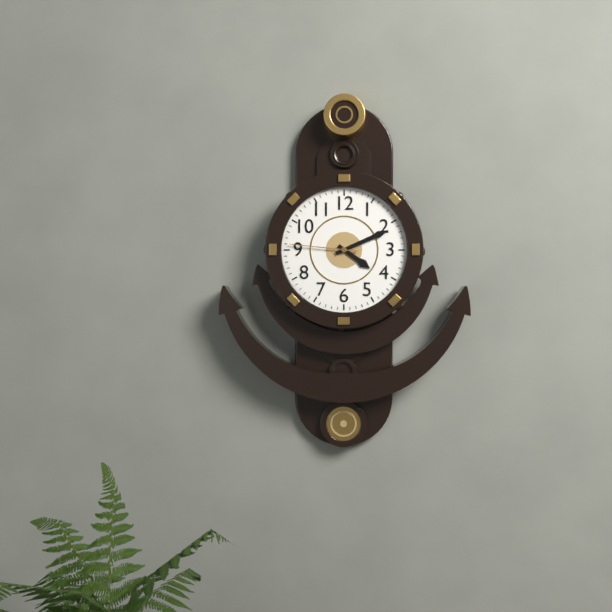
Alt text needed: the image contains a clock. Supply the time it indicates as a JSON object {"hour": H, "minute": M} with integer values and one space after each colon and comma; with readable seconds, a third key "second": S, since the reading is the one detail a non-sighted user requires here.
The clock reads {"hour": 4, "minute": 11, "second": 46}
